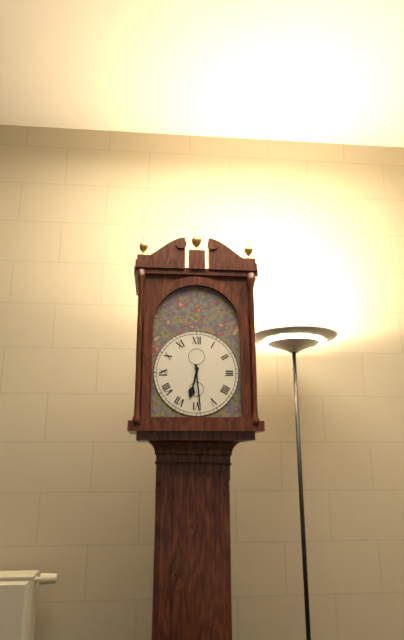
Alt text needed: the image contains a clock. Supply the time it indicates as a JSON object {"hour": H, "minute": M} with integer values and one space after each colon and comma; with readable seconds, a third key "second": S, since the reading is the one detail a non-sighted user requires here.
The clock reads {"hour": 6, "minute": 29}
